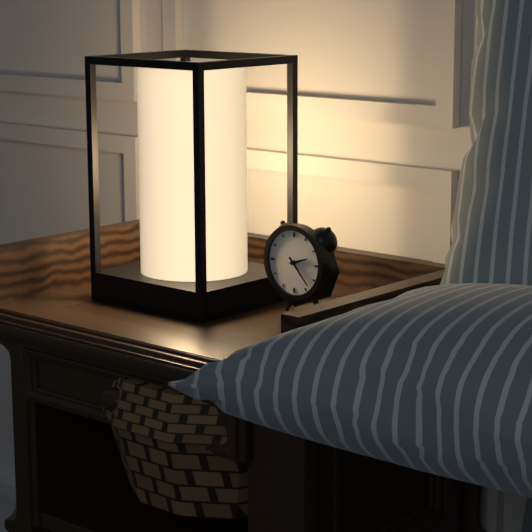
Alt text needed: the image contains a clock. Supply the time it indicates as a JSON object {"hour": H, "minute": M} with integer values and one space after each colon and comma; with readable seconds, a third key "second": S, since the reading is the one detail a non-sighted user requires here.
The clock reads {"hour": 2, "minute": 23}
